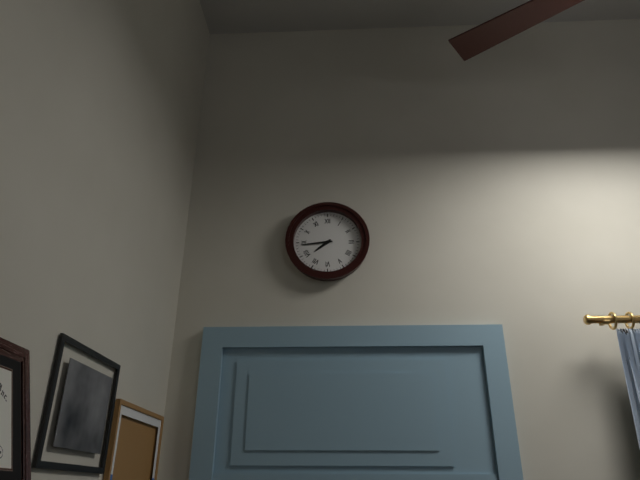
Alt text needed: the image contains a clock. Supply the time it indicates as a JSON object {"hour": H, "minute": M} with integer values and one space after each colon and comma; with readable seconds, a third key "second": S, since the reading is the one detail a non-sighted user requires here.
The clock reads {"hour": 7, "minute": 44}
